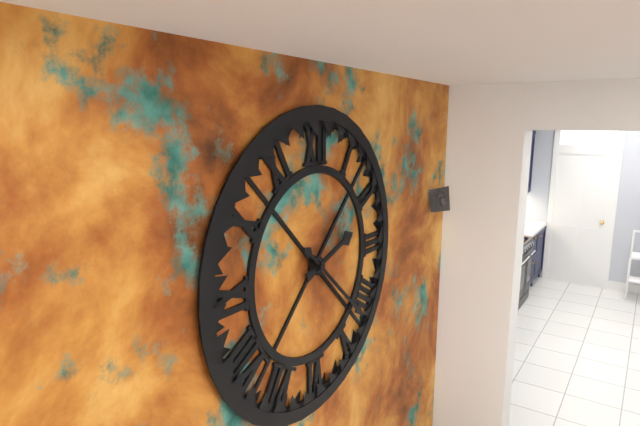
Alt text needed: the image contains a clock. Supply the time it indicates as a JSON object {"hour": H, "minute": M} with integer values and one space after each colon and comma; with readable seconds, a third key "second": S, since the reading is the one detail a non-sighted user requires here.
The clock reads {"hour": 2, "minute": 22}
